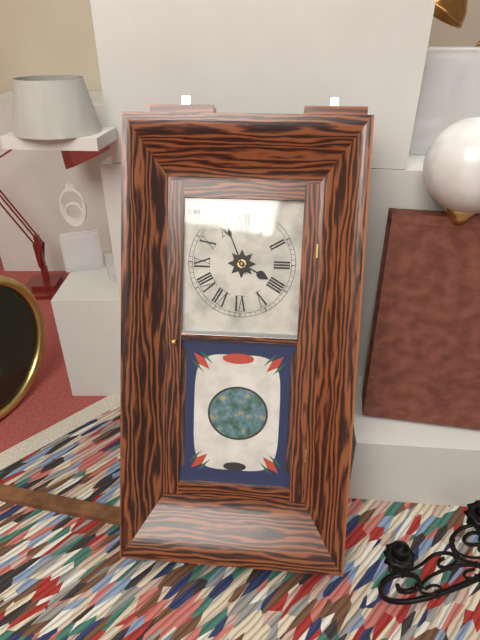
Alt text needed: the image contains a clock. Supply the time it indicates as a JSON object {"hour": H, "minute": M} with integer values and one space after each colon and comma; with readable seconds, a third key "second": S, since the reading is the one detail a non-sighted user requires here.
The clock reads {"hour": 3, "minute": 56}
